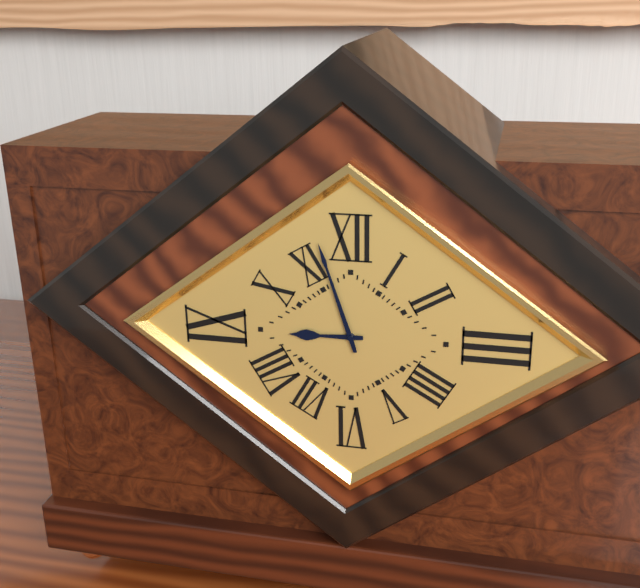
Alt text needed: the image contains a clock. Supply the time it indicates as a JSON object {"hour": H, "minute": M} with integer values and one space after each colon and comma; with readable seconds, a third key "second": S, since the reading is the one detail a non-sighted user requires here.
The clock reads {"hour": 8, "minute": 57}
